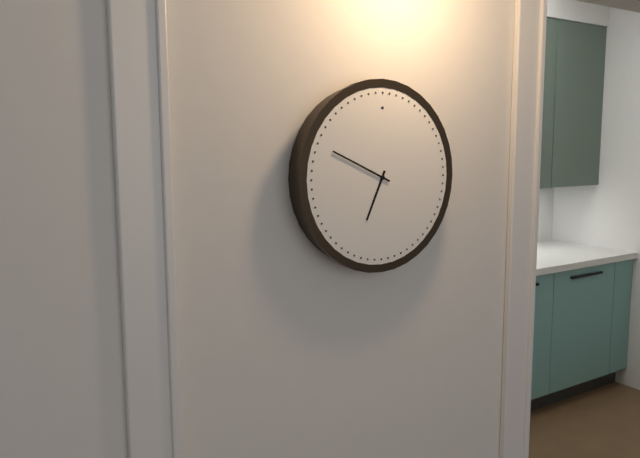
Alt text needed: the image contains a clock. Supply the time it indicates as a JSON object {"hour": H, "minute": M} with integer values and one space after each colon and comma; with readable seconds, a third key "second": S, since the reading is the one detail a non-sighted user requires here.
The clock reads {"hour": 6, "minute": 49}
